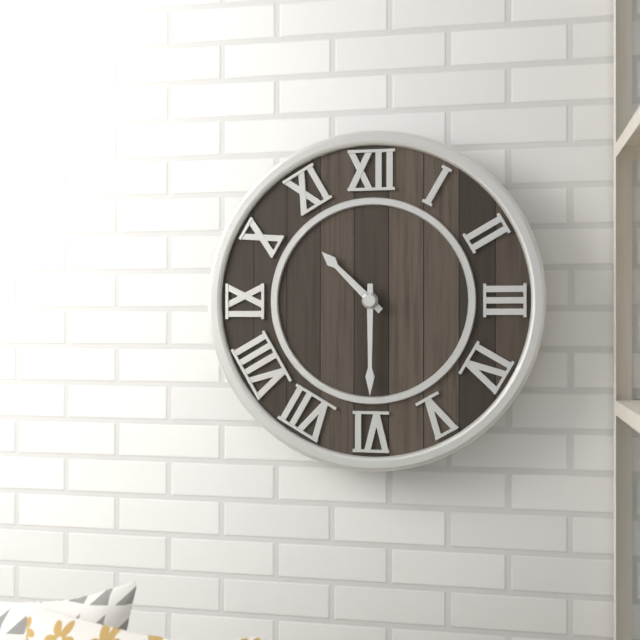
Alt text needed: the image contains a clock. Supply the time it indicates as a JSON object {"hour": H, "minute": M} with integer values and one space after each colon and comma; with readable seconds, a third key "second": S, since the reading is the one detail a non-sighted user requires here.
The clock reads {"hour": 10, "minute": 30}
